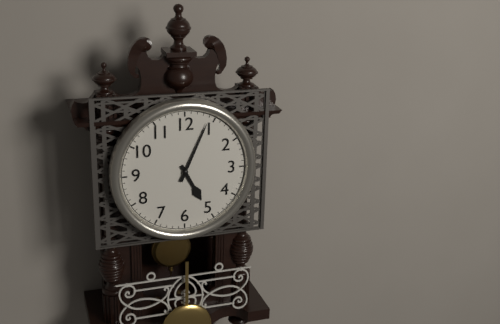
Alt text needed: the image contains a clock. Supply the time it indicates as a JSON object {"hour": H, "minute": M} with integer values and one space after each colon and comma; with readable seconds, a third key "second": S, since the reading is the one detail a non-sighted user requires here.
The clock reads {"hour": 5, "minute": 4}
